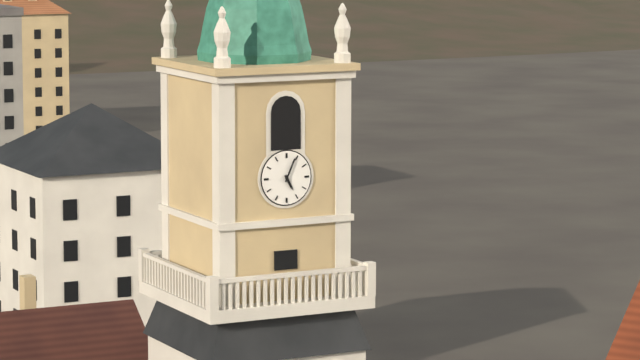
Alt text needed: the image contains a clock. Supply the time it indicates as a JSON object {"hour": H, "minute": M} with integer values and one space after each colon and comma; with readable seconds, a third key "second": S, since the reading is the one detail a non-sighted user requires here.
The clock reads {"hour": 5, "minute": 4}
